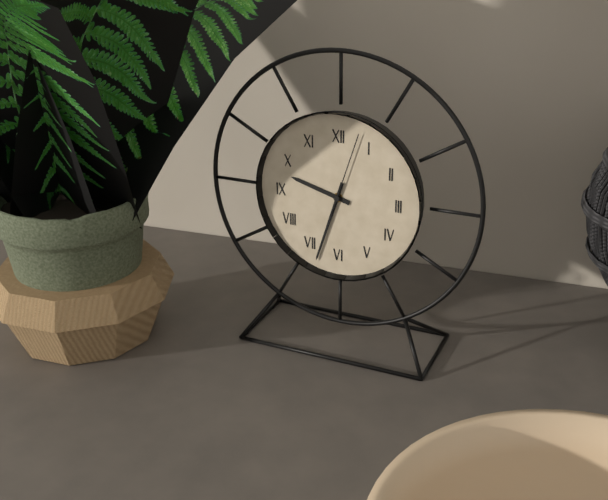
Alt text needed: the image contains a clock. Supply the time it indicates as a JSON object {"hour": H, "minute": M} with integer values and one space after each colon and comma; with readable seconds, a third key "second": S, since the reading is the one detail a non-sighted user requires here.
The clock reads {"hour": 9, "minute": 33, "second": 3}
